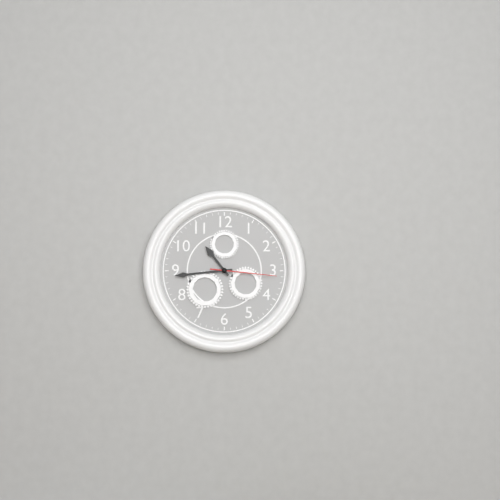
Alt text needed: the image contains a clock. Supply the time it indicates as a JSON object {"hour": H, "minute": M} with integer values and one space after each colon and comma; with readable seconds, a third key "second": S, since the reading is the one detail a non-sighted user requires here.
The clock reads {"hour": 10, "minute": 44, "second": 16}
